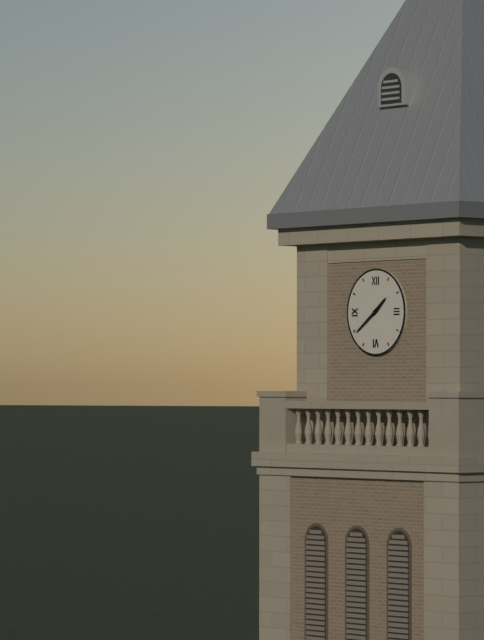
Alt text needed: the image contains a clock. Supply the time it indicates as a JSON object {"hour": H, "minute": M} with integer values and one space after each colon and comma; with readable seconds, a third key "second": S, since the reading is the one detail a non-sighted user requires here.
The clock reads {"hour": 1, "minute": 39}
